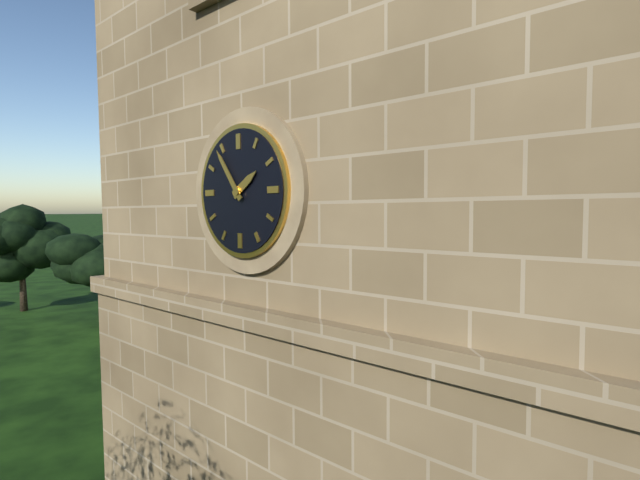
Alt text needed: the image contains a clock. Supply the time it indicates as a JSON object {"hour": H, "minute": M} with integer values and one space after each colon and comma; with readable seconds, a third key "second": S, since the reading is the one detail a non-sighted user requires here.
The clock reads {"hour": 1, "minute": 54}
